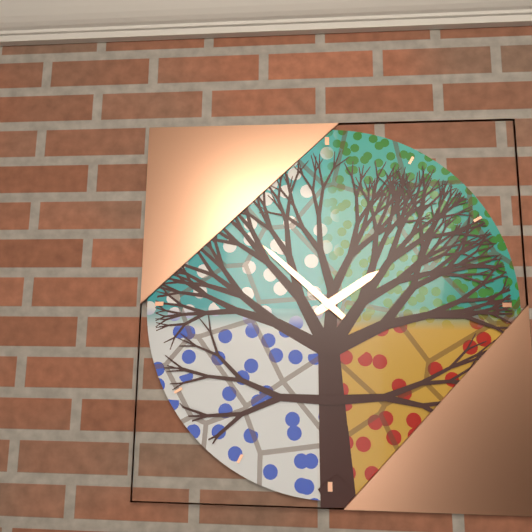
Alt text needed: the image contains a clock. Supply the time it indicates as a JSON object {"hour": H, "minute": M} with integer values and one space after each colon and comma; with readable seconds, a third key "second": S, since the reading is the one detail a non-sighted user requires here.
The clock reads {"hour": 1, "minute": 52}
